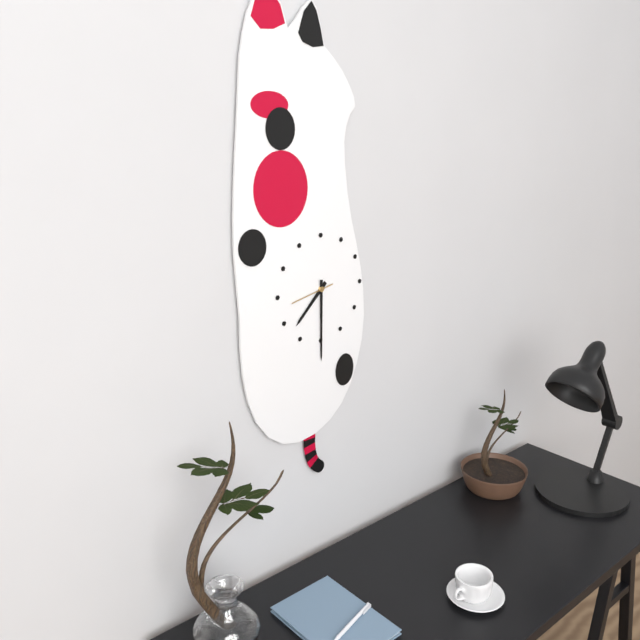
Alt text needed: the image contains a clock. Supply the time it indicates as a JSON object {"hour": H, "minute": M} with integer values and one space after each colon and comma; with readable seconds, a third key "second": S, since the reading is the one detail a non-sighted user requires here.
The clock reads {"hour": 7, "minute": 30}
